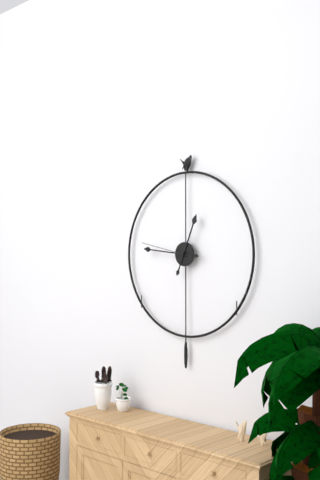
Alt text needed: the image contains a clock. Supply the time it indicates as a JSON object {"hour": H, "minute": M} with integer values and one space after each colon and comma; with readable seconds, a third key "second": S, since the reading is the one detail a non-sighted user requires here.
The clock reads {"hour": 12, "minute": 46, "second": 47}
